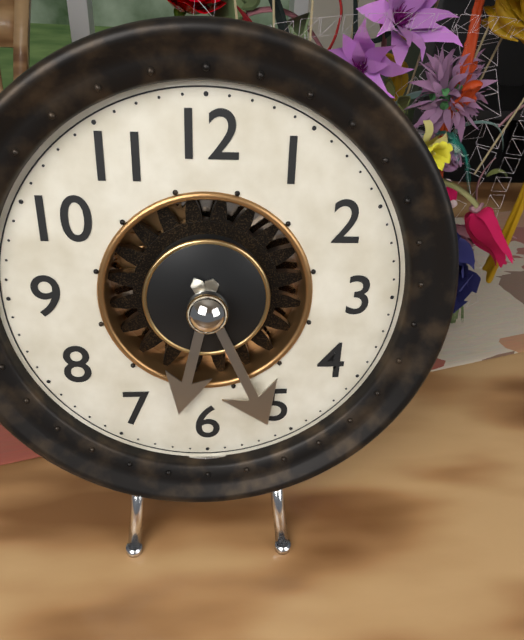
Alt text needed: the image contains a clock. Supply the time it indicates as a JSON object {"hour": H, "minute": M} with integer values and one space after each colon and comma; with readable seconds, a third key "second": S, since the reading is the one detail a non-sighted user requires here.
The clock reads {"hour": 6, "minute": 26}
